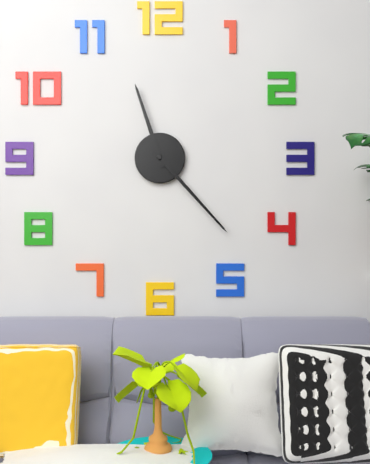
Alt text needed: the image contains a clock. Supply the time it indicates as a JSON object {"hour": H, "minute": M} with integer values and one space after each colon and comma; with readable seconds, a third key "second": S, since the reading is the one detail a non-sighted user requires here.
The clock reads {"hour": 11, "minute": 23}
